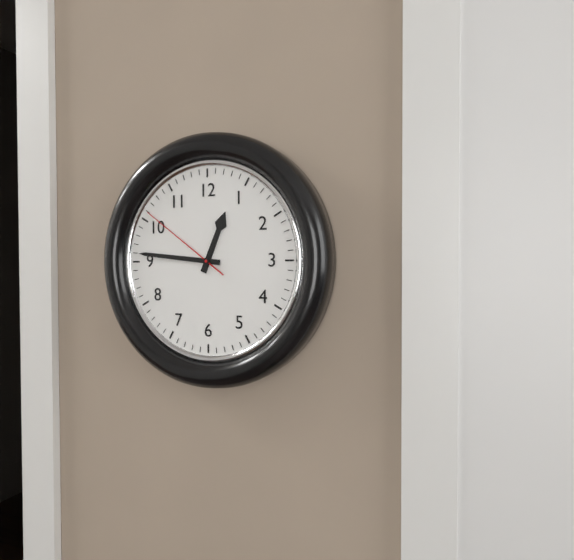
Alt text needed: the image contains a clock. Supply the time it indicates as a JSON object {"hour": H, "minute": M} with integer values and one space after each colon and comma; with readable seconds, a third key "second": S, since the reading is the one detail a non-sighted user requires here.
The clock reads {"hour": 12, "minute": 46, "second": 51}
